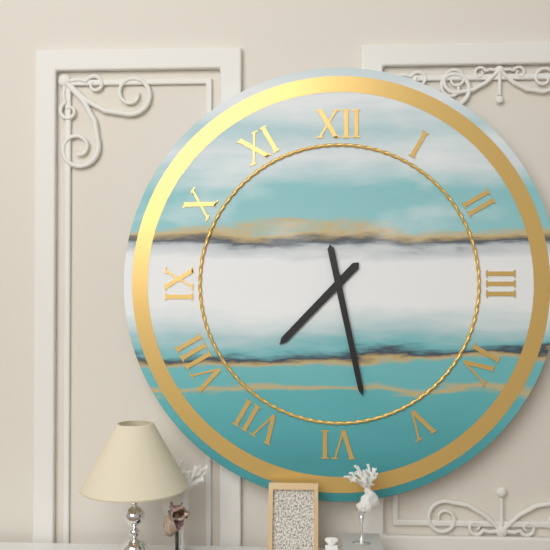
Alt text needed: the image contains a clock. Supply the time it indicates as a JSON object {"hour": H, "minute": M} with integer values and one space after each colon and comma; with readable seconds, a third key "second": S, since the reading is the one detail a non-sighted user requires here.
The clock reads {"hour": 7, "minute": 28}
